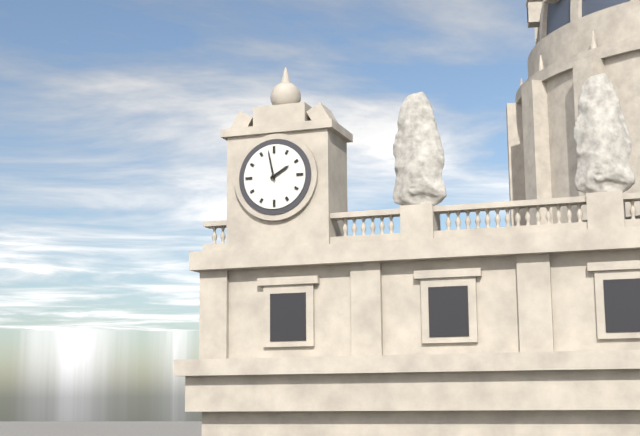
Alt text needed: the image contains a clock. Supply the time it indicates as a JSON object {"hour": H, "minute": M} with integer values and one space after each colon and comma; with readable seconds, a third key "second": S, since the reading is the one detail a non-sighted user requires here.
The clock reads {"hour": 1, "minute": 58}
